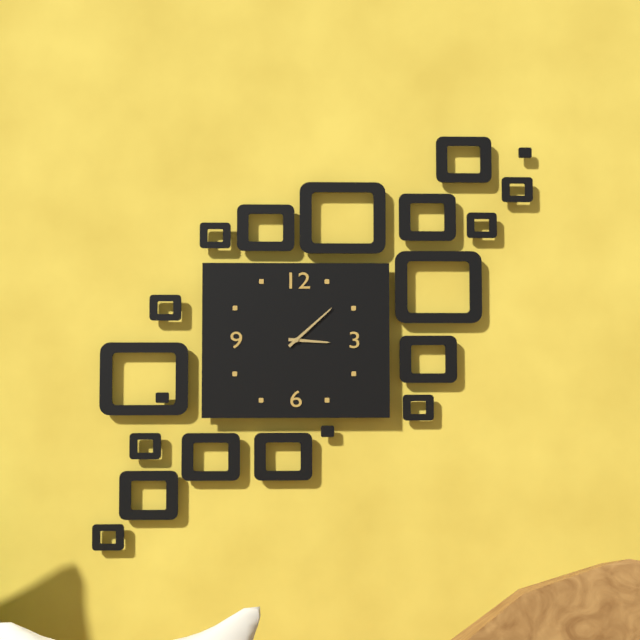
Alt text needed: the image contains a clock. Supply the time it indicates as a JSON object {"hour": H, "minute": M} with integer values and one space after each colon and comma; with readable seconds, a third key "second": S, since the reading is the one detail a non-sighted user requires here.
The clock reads {"hour": 3, "minute": 8}
